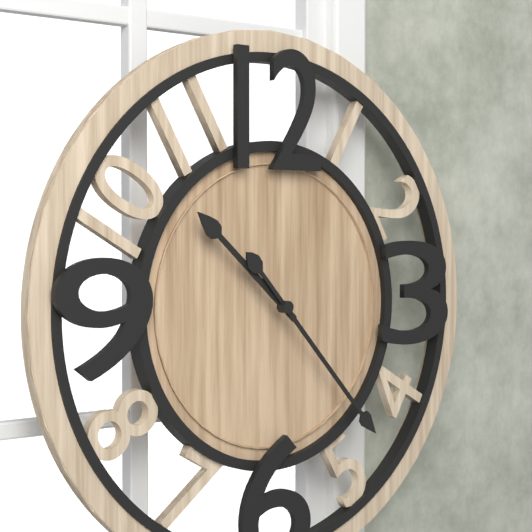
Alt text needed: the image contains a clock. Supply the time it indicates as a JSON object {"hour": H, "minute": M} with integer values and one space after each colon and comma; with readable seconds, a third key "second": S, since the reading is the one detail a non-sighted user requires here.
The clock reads {"hour": 10, "minute": 23}
